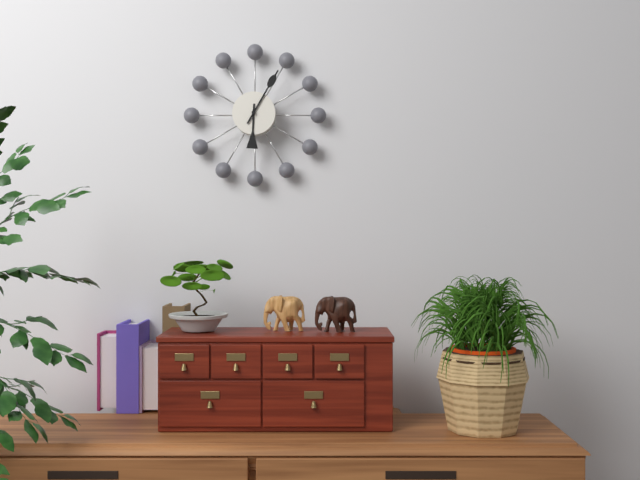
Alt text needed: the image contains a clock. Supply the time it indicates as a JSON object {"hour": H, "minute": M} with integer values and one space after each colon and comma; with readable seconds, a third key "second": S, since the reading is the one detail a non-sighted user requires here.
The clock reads {"hour": 6, "minute": 5}
